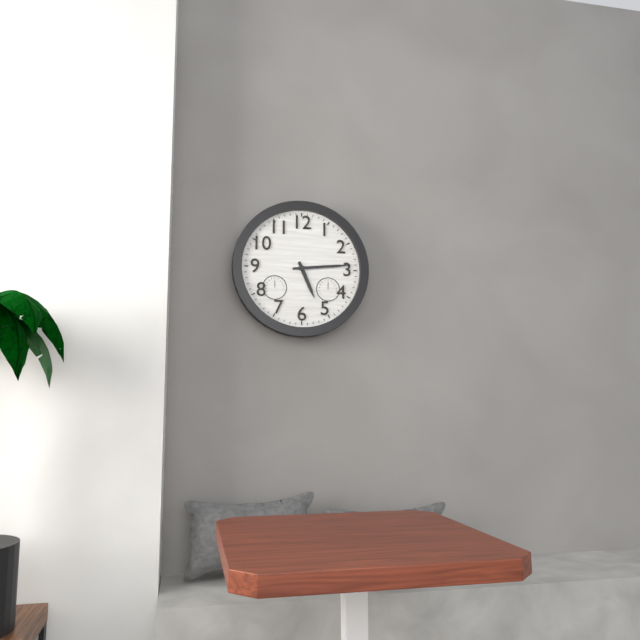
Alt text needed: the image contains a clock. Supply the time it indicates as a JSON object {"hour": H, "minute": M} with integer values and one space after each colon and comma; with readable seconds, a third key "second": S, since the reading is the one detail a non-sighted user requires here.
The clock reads {"hour": 5, "minute": 14}
